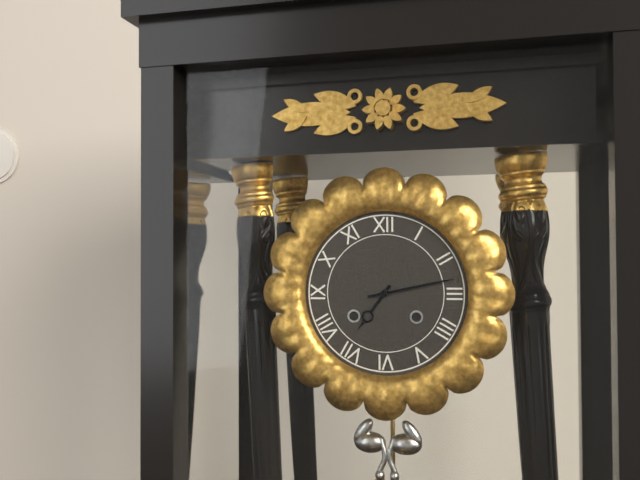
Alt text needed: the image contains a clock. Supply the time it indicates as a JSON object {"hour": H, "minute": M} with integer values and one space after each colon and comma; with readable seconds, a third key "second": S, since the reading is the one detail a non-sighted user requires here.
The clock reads {"hour": 7, "minute": 13}
